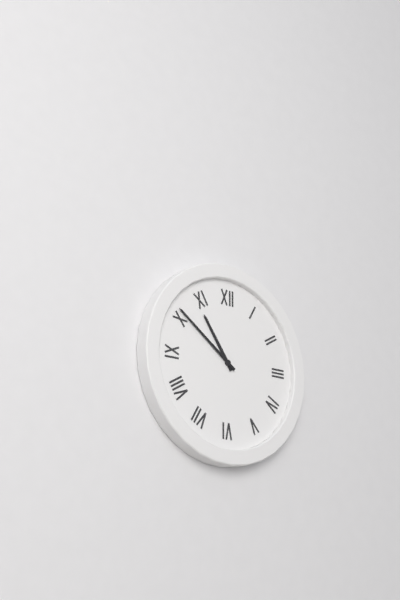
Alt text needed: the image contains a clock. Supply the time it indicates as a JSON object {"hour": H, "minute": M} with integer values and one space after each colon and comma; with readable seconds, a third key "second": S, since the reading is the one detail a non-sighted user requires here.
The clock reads {"hour": 10, "minute": 51}
